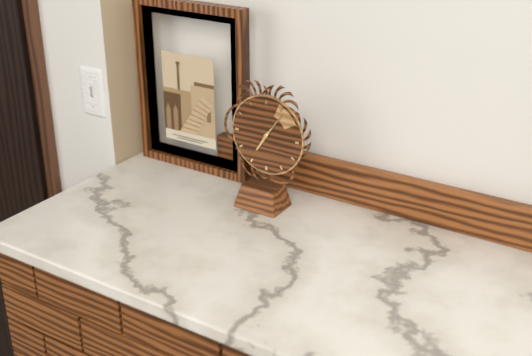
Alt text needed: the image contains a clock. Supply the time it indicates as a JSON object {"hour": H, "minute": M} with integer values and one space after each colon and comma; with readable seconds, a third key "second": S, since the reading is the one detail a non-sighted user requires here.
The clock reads {"hour": 7, "minute": 6}
